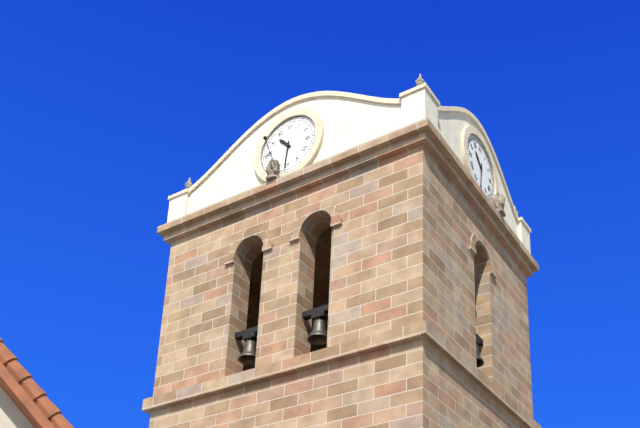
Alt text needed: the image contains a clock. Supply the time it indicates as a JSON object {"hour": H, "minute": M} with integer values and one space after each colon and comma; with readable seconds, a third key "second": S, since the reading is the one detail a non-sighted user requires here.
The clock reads {"hour": 10, "minute": 31}
